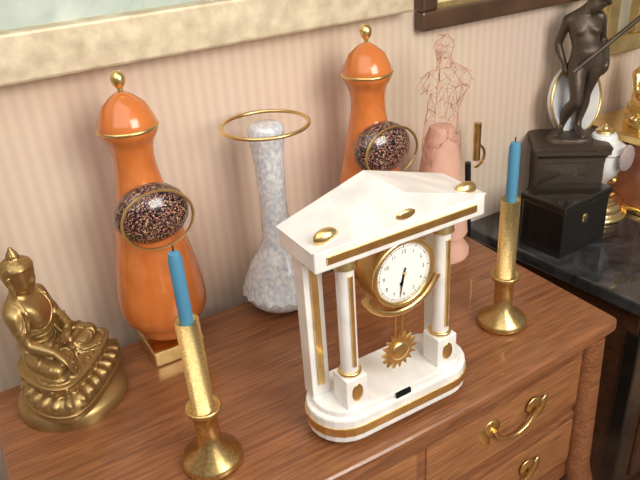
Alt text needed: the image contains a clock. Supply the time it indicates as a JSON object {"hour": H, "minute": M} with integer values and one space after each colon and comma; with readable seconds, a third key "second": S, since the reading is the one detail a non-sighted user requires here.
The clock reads {"hour": 6, "minute": 32}
